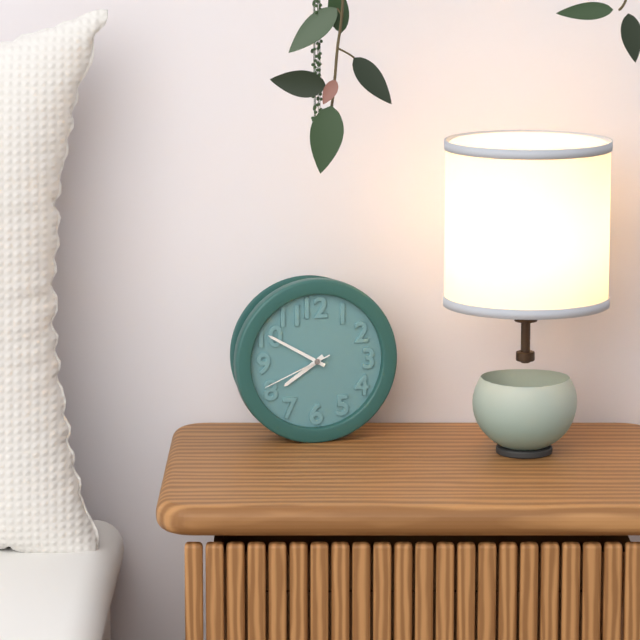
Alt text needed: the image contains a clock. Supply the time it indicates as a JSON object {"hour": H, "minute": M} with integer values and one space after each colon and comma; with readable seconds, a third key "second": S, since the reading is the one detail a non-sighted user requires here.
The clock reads {"hour": 7, "minute": 50, "second": 41}
